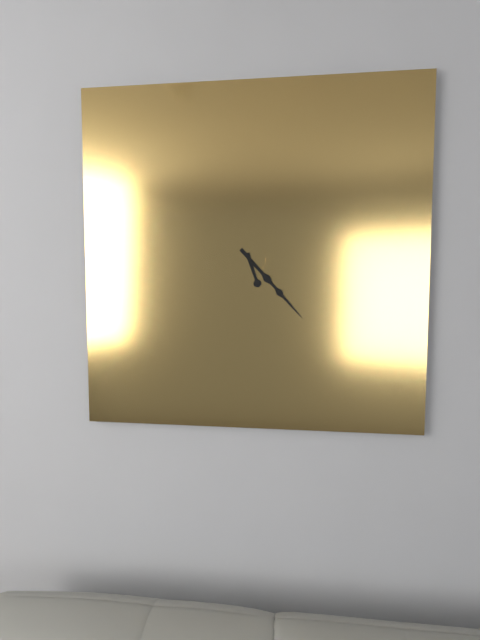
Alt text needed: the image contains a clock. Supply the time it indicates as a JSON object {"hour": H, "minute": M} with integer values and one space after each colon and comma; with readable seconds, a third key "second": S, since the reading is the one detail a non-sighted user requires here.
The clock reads {"hour": 5, "minute": 23}
